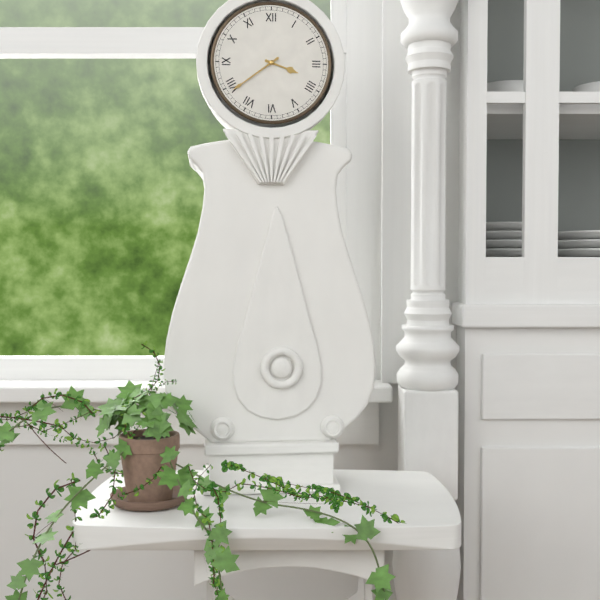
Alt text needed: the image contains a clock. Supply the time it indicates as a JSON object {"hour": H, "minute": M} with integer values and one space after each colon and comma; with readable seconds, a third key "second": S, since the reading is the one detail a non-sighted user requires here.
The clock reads {"hour": 3, "minute": 39}
